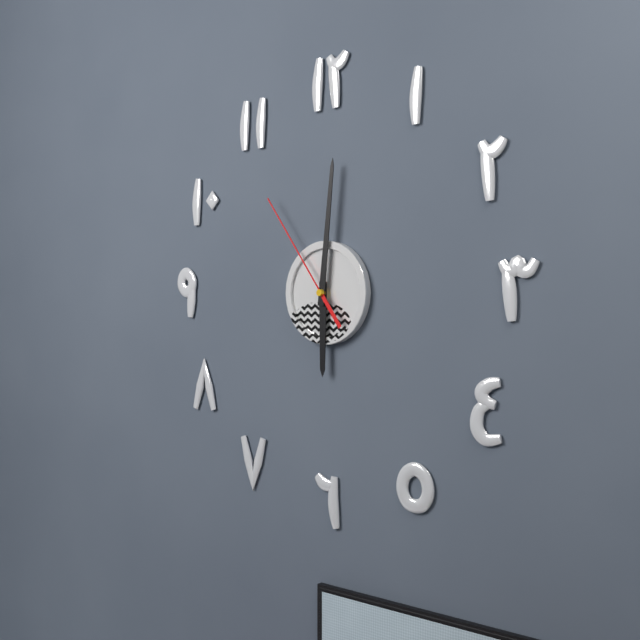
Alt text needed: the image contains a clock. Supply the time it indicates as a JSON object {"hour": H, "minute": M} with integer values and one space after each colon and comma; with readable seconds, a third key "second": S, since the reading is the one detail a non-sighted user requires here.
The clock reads {"hour": 6, "minute": 1, "second": 54}
